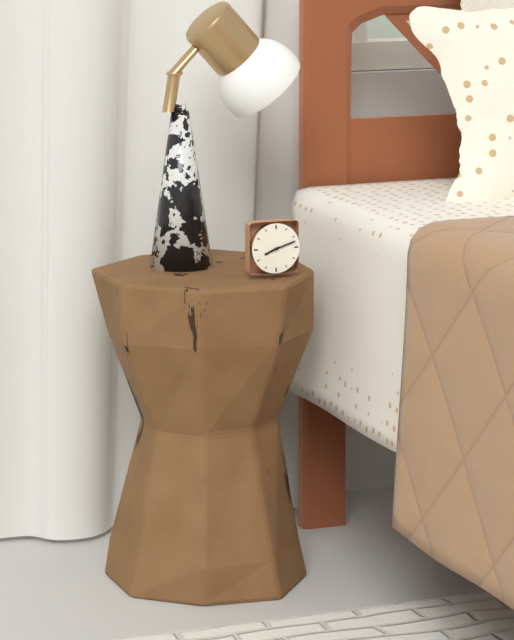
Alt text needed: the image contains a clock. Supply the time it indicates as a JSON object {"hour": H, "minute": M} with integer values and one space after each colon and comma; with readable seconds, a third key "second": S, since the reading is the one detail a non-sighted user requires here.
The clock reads {"hour": 8, "minute": 12}
